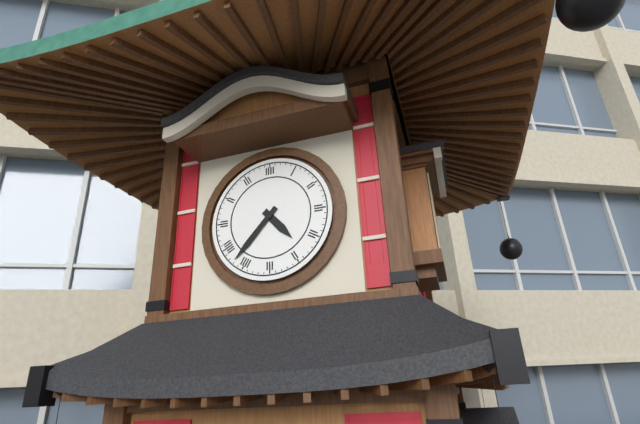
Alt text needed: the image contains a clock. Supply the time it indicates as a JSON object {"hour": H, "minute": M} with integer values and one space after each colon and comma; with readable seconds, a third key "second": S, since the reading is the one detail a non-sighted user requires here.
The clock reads {"hour": 4, "minute": 37}
